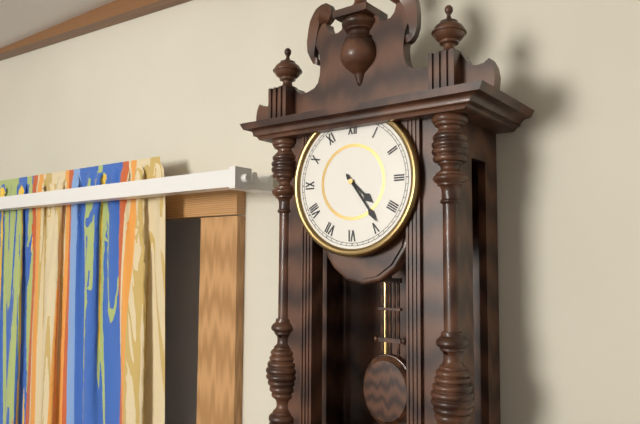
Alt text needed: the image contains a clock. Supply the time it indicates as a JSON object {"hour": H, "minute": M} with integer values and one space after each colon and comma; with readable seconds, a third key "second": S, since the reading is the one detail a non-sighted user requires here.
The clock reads {"hour": 4, "minute": 24}
